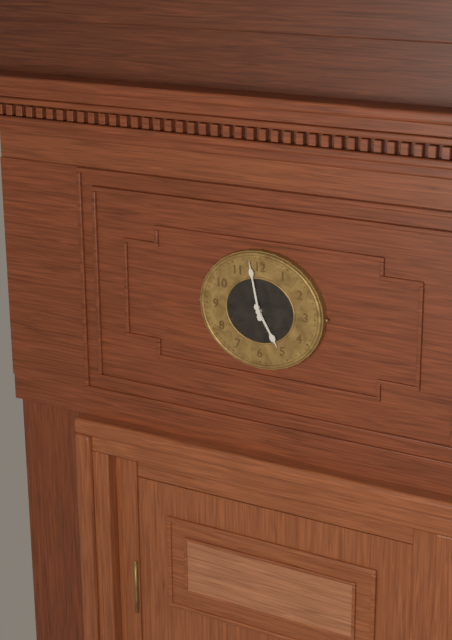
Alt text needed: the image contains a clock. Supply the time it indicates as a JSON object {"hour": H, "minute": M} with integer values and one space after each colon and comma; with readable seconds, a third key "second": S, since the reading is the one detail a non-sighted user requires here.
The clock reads {"hour": 4, "minute": 58}
